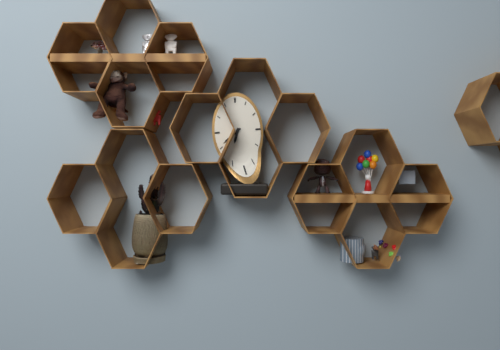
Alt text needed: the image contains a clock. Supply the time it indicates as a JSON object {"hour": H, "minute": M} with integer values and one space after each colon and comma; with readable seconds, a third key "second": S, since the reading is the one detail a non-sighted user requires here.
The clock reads {"hour": 6, "minute": 39}
